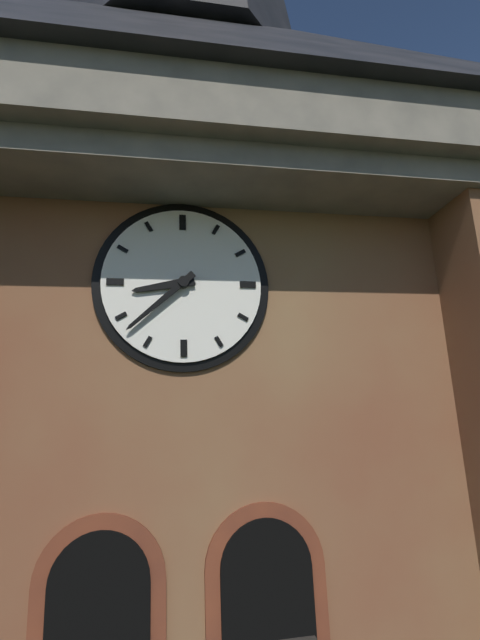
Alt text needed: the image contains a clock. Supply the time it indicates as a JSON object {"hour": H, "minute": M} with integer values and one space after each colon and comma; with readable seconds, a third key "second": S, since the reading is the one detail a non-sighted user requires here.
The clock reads {"hour": 8, "minute": 38}
